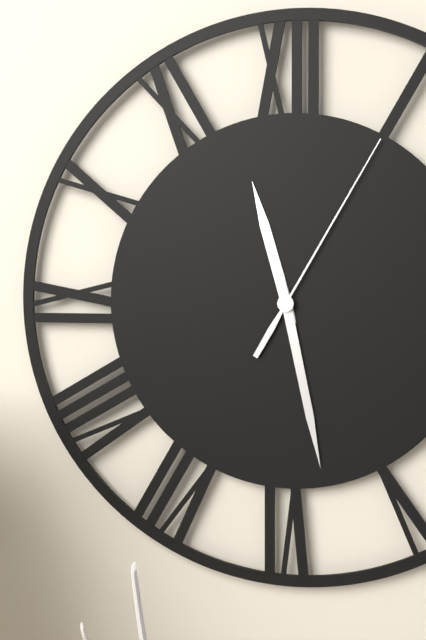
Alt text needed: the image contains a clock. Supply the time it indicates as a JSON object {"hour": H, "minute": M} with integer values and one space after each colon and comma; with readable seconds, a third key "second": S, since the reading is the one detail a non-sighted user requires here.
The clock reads {"hour": 11, "minute": 28, "second": 5}
